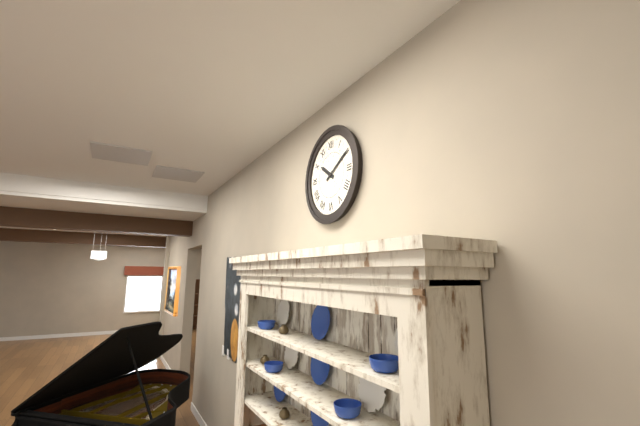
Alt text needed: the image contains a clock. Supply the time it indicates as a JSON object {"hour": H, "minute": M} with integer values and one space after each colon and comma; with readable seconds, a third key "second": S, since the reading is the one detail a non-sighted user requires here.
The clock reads {"hour": 10, "minute": 10}
